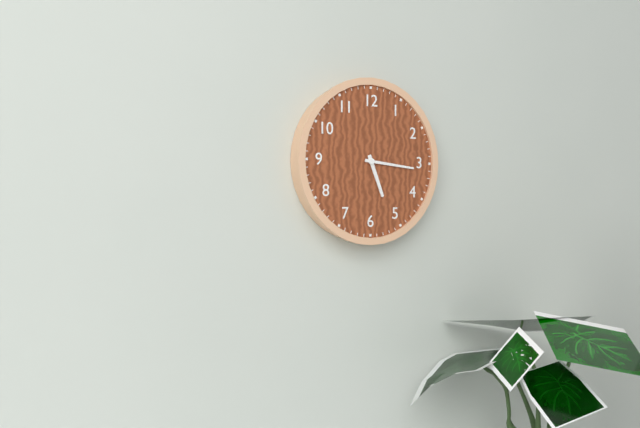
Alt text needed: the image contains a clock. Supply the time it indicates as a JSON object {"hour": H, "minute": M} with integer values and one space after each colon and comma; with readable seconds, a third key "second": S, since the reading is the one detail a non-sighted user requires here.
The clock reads {"hour": 5, "minute": 16}
